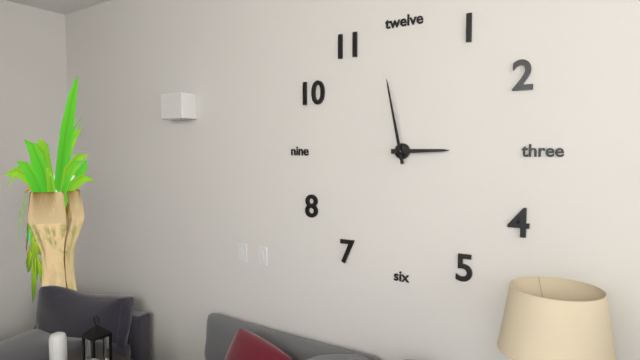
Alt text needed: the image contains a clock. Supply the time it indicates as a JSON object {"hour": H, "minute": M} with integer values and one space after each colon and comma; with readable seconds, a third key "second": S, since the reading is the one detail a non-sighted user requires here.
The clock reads {"hour": 2, "minute": 58}
